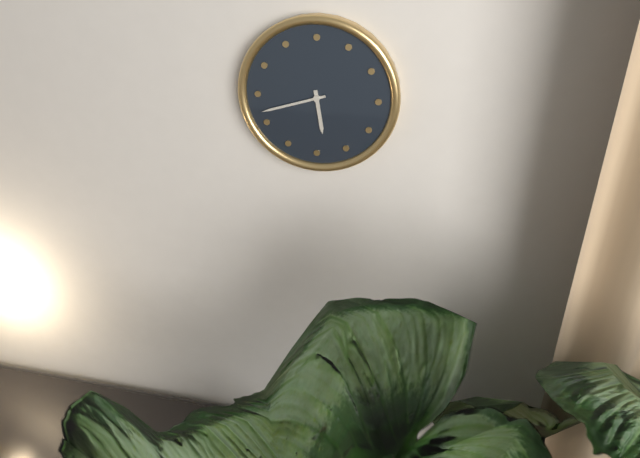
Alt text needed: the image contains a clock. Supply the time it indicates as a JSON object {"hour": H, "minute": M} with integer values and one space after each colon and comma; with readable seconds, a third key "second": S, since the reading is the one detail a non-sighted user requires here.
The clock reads {"hour": 5, "minute": 42}
